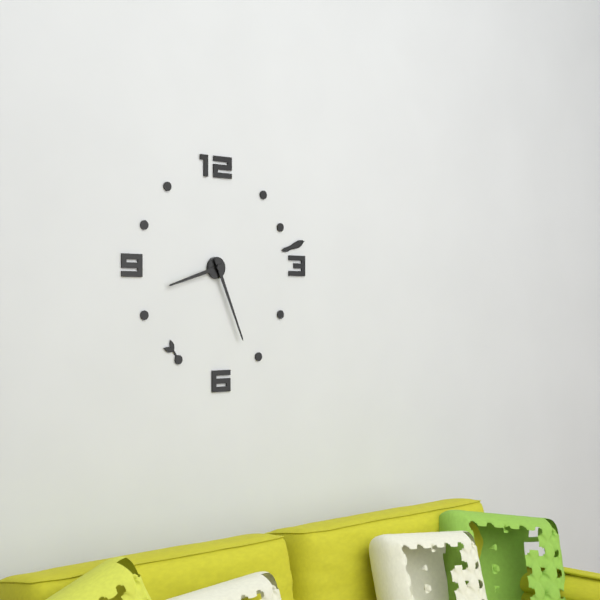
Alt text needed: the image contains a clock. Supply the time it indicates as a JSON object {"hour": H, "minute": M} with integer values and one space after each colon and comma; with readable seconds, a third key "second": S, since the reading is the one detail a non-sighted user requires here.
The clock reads {"hour": 8, "minute": 26}
